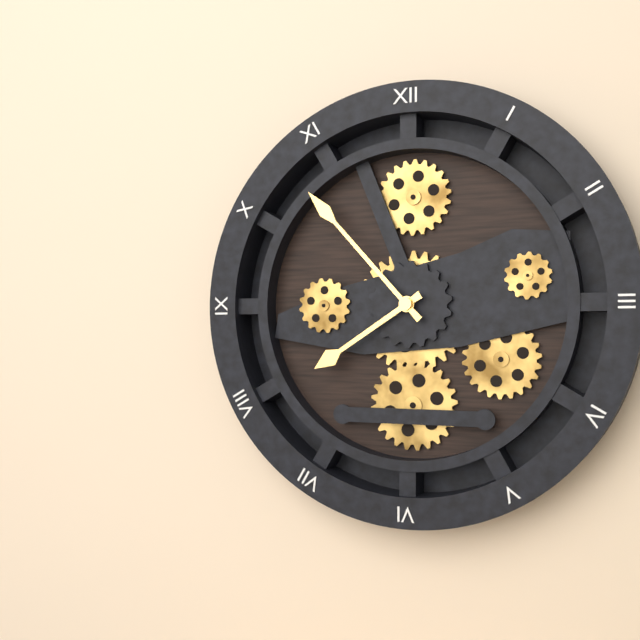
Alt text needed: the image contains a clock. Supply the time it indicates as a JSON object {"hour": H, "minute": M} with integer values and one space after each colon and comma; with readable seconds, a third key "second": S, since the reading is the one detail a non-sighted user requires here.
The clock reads {"hour": 7, "minute": 53}
